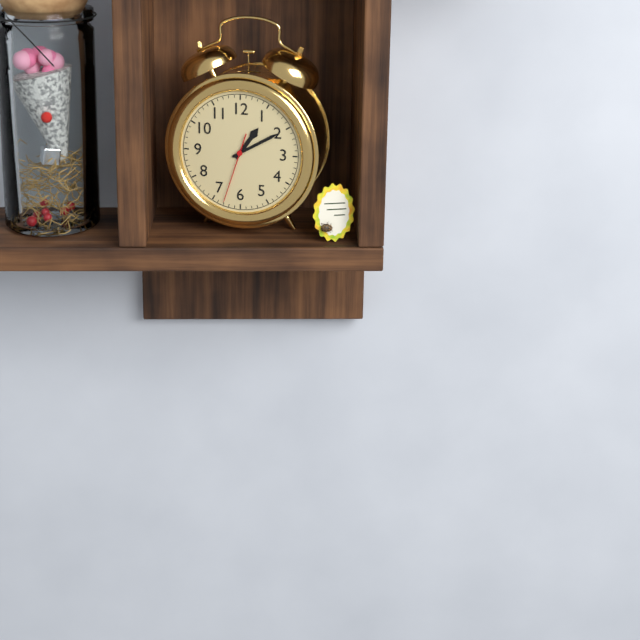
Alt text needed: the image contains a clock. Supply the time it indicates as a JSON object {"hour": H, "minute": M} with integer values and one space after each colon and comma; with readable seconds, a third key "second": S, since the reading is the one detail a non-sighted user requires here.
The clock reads {"hour": 1, "minute": 10, "second": 33}
